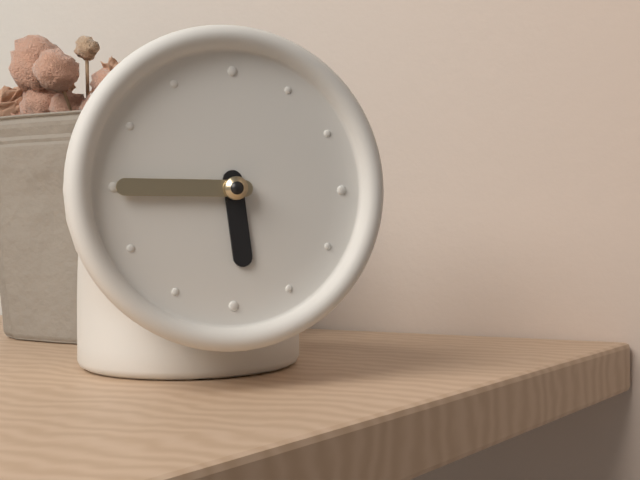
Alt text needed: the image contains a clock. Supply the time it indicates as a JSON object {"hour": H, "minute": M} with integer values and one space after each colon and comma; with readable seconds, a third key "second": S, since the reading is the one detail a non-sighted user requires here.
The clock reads {"hour": 5, "minute": 45}
